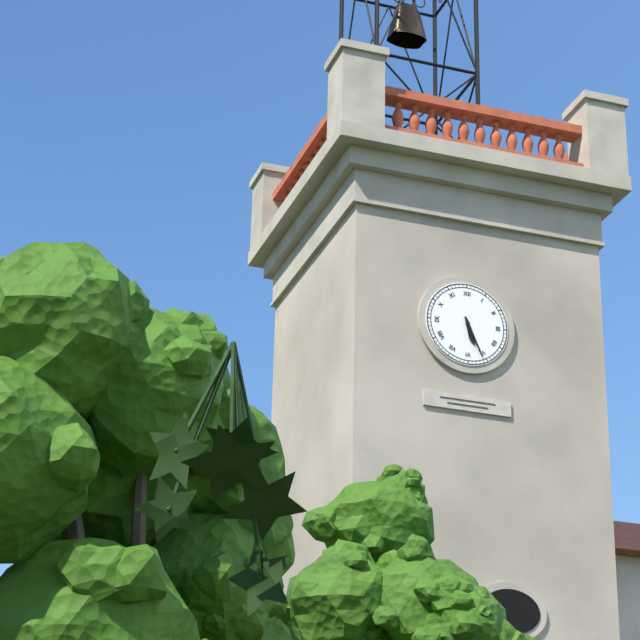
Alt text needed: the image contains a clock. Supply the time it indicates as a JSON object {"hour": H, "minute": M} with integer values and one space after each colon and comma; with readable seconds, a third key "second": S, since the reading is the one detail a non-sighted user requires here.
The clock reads {"hour": 5, "minute": 26}
